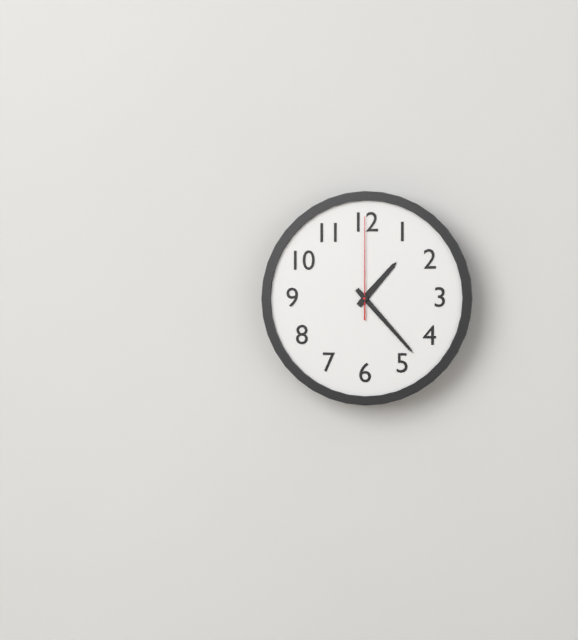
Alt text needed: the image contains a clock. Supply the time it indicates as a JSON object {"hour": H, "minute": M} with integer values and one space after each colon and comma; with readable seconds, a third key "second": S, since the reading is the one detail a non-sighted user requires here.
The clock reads {"hour": 1, "minute": 23, "second": 0}
